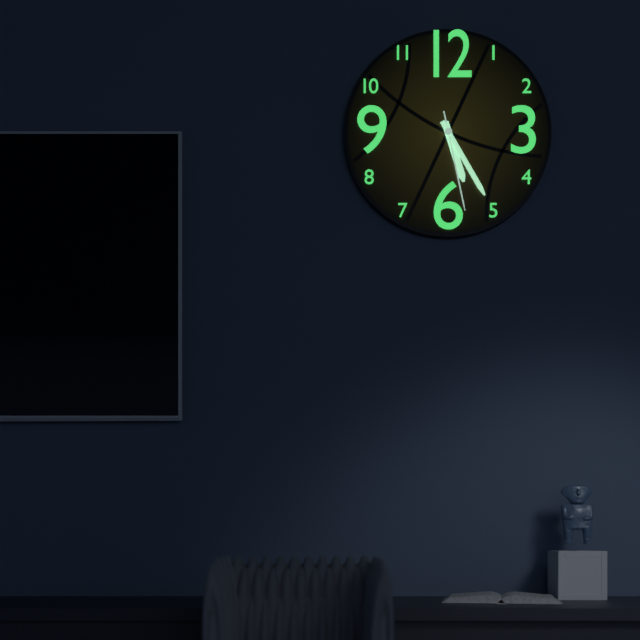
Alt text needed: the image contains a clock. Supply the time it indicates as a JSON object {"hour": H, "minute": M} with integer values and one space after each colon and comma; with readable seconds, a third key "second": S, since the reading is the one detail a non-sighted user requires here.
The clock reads {"hour": 5, "minute": 25, "second": 28}
